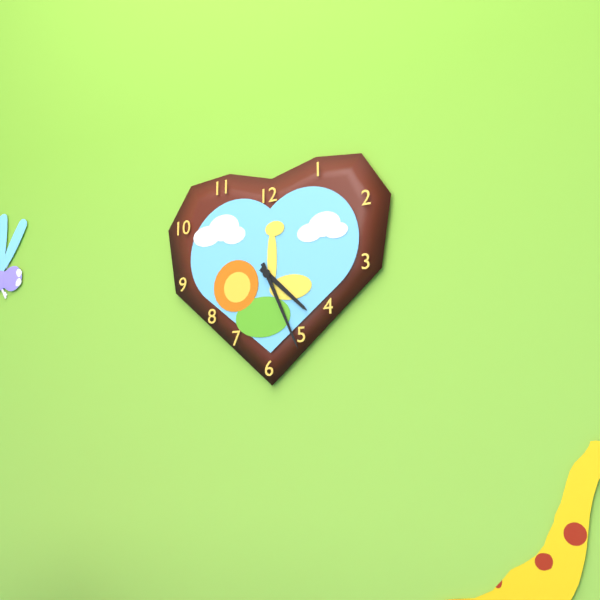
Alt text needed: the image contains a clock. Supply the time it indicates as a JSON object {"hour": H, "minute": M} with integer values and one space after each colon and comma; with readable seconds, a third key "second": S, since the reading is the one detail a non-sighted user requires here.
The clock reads {"hour": 4, "minute": 26}
